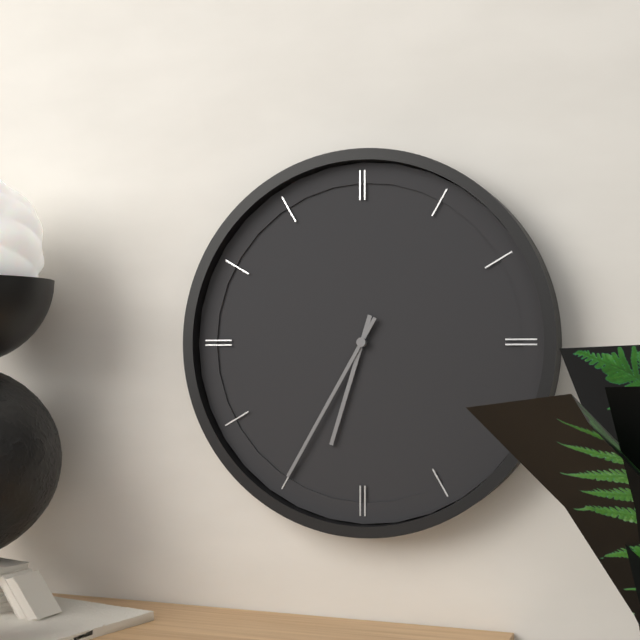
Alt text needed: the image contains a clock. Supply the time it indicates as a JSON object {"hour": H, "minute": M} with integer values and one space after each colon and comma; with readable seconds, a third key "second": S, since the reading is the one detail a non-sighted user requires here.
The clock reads {"hour": 6, "minute": 35}
